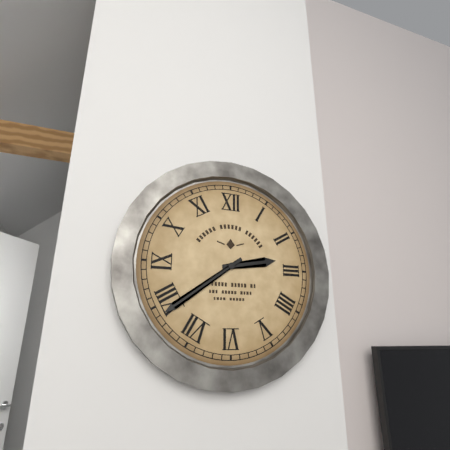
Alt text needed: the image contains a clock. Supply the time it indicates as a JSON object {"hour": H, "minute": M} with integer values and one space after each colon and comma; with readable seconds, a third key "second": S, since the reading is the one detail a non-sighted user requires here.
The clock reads {"hour": 2, "minute": 39}
